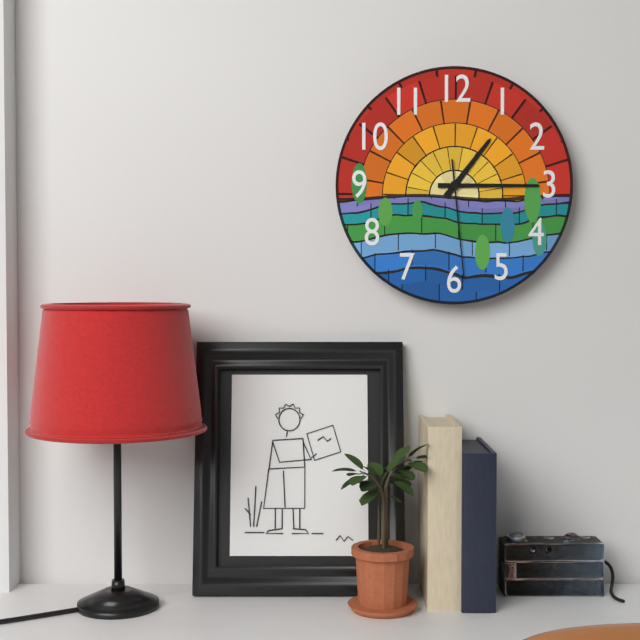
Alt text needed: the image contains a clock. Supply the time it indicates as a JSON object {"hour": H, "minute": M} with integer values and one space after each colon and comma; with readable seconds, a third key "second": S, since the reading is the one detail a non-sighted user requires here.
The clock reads {"hour": 1, "minute": 15, "second": 29}
